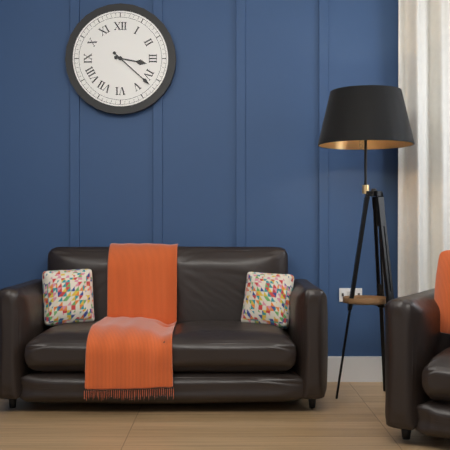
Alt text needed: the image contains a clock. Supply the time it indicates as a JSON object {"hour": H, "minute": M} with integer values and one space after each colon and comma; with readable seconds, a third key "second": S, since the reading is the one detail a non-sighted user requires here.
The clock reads {"hour": 3, "minute": 22}
